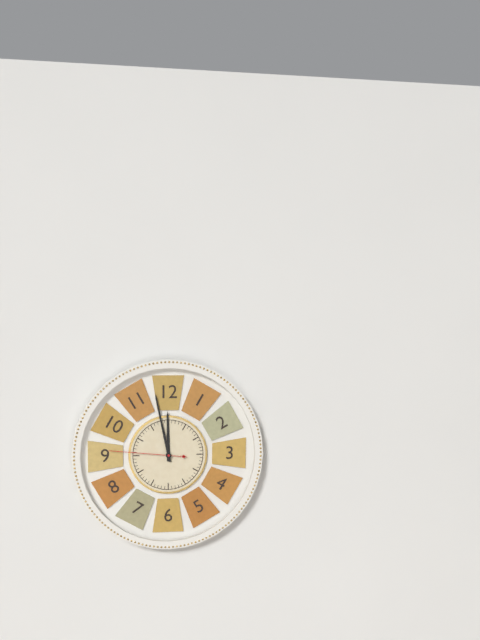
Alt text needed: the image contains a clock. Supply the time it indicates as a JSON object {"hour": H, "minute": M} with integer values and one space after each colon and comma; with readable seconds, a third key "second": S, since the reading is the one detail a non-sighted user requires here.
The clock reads {"hour": 11, "minute": 58, "second": 46}
